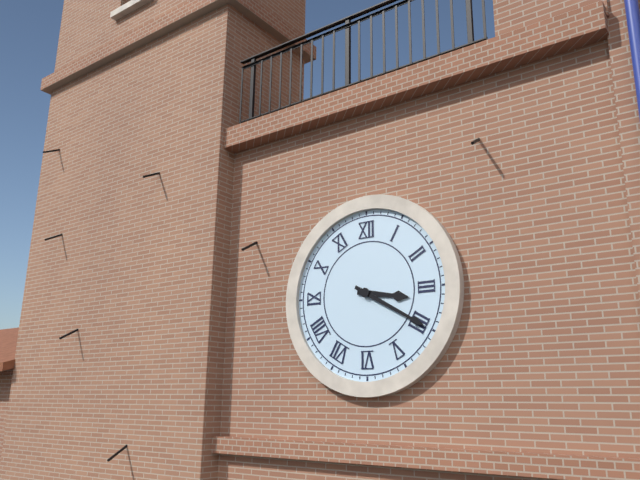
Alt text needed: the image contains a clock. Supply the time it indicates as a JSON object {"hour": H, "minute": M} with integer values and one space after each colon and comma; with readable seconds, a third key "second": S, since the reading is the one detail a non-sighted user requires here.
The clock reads {"hour": 3, "minute": 20}
